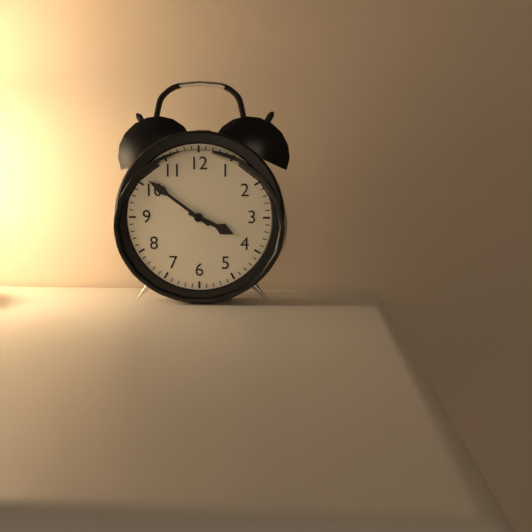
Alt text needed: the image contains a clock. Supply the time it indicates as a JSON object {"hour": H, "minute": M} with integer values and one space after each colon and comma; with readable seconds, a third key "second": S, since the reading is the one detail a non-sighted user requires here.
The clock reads {"hour": 3, "minute": 51}
